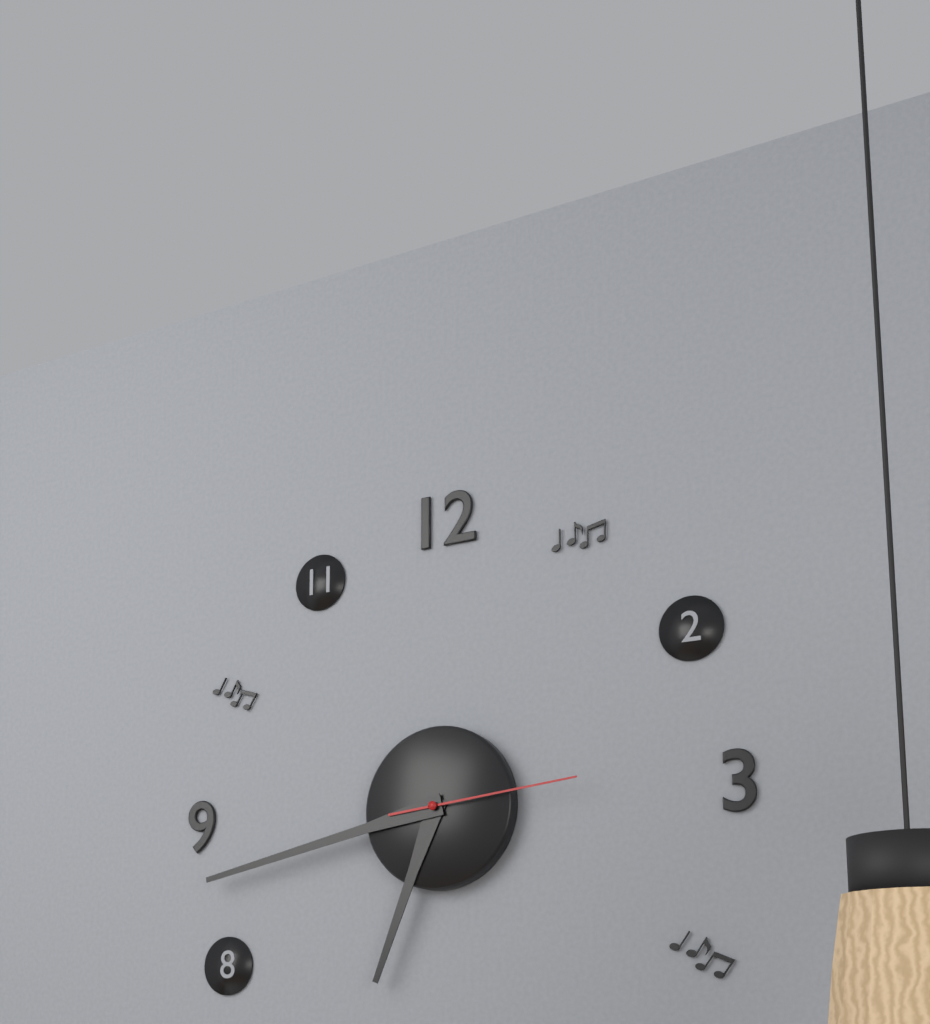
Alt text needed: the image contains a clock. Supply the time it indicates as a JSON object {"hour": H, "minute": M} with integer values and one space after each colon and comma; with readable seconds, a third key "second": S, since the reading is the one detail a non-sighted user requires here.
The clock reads {"hour": 6, "minute": 43, "second": 14}
